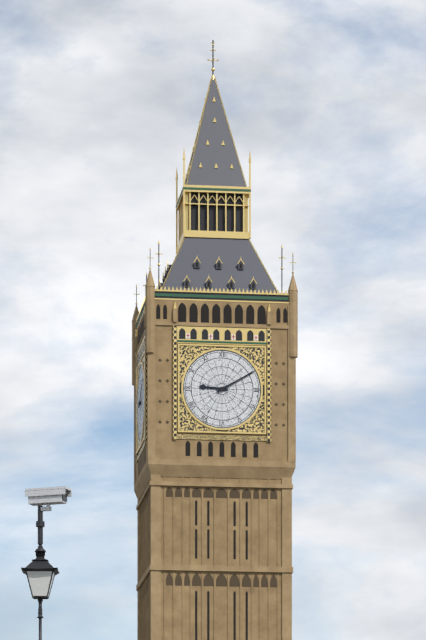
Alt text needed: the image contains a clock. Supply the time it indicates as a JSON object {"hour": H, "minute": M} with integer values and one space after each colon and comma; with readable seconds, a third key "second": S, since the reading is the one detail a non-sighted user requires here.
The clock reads {"hour": 9, "minute": 10}
